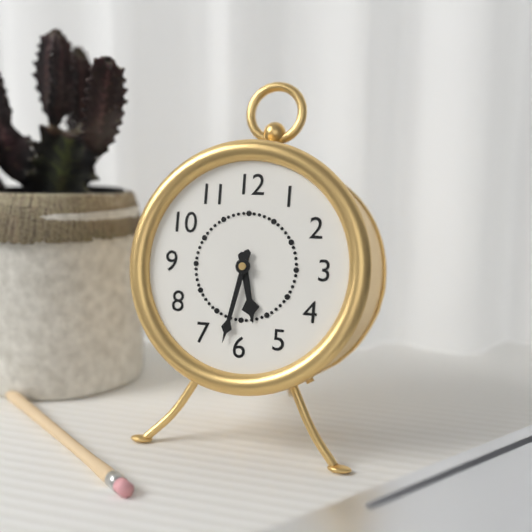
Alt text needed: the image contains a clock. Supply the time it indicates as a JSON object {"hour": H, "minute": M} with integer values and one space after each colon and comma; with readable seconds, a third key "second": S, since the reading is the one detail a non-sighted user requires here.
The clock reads {"hour": 5, "minute": 32}
